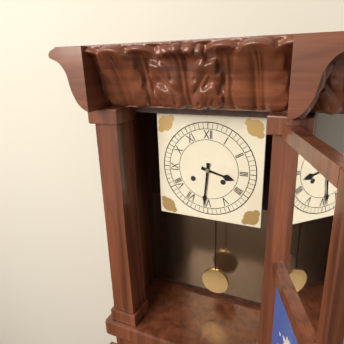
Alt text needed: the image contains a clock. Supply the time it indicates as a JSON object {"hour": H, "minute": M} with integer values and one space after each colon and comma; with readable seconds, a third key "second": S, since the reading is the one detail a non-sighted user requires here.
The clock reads {"hour": 3, "minute": 31}
